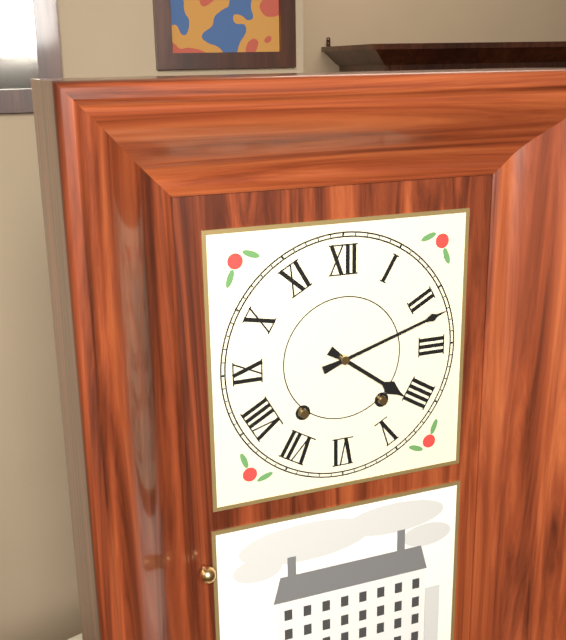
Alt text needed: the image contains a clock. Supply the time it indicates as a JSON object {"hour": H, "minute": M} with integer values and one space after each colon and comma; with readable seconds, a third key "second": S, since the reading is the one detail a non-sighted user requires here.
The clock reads {"hour": 4, "minute": 12}
